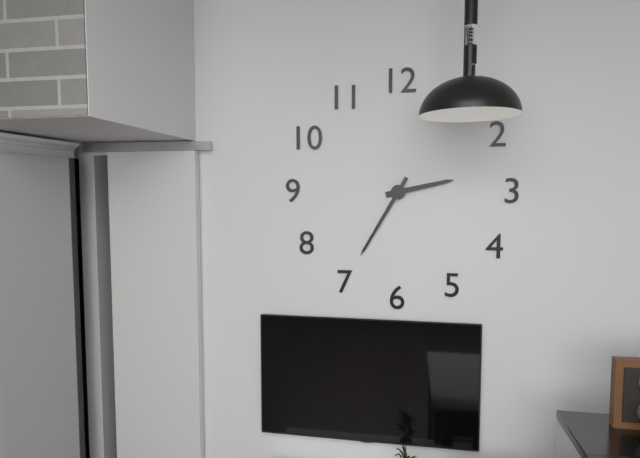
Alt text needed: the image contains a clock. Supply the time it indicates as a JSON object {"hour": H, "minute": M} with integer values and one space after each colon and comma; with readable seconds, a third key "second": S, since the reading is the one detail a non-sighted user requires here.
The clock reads {"hour": 2, "minute": 35}
